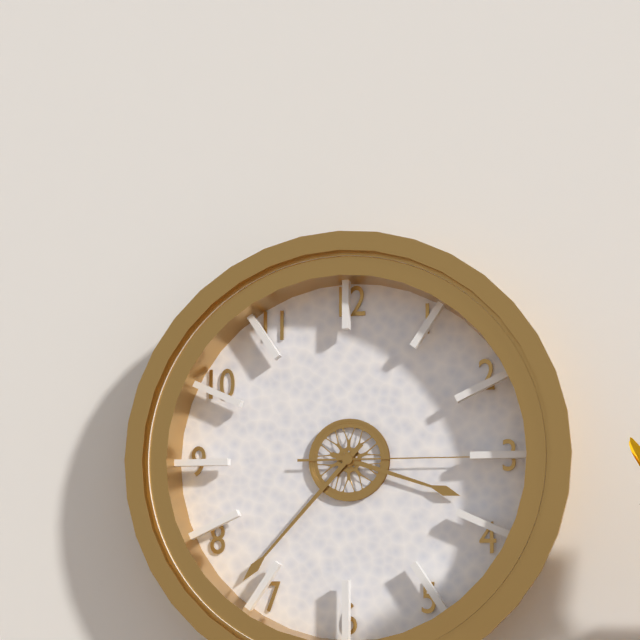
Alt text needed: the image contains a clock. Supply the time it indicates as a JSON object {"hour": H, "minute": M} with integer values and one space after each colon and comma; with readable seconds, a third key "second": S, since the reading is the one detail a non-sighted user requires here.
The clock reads {"hour": 3, "minute": 37, "second": 15}
